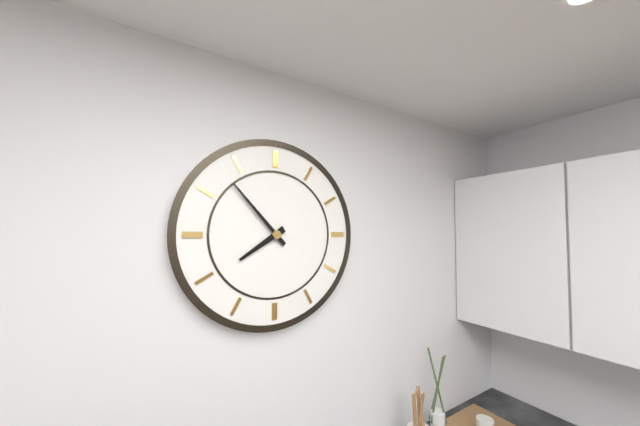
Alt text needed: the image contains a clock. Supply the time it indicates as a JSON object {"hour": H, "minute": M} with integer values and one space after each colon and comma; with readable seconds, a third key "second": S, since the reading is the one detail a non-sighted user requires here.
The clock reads {"hour": 7, "minute": 53}
